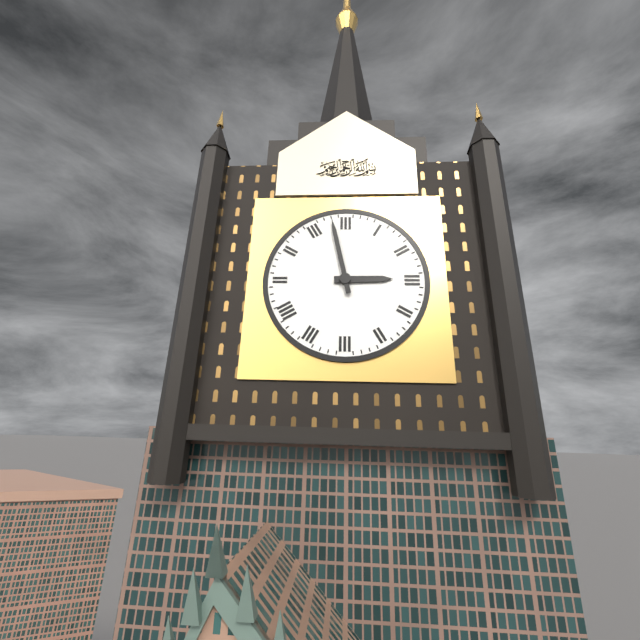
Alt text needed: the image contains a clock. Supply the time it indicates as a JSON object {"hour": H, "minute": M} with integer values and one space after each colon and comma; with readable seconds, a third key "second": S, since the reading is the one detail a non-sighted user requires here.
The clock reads {"hour": 2, "minute": 58}
